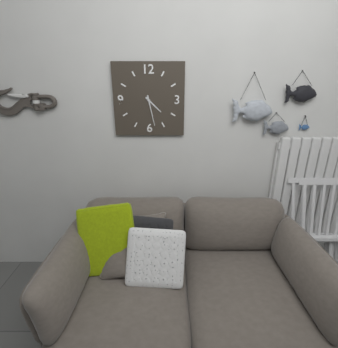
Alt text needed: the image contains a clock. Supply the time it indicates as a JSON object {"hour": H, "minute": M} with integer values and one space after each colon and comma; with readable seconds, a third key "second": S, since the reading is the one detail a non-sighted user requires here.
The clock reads {"hour": 4, "minute": 28}
